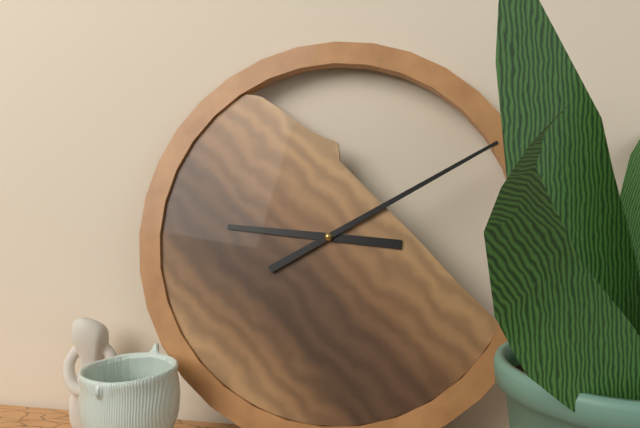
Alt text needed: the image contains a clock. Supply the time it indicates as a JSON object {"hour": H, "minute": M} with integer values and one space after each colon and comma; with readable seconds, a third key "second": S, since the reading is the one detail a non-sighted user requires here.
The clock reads {"hour": 9, "minute": 10}
